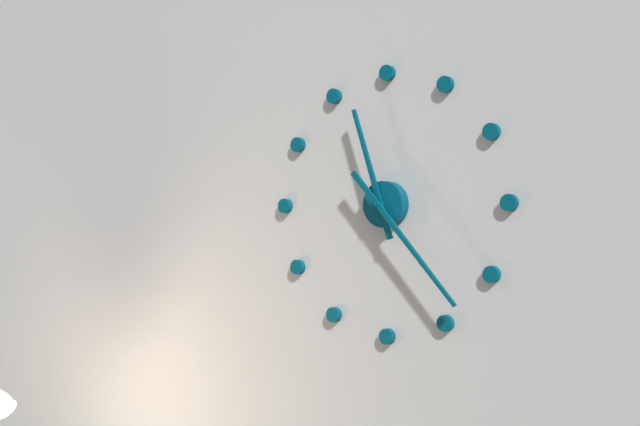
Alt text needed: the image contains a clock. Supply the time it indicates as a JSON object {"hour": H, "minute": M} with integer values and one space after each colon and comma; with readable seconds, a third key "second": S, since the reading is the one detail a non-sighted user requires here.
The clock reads {"hour": 11, "minute": 23}
